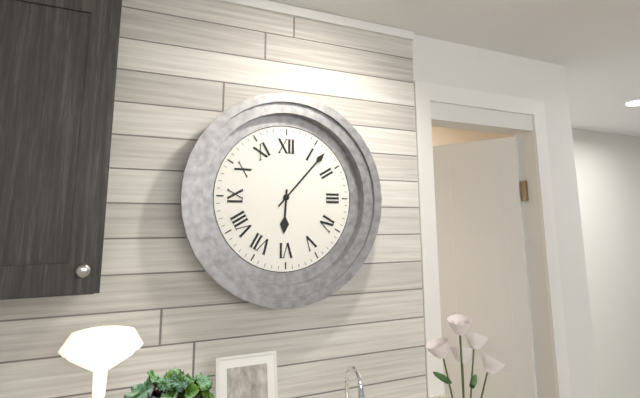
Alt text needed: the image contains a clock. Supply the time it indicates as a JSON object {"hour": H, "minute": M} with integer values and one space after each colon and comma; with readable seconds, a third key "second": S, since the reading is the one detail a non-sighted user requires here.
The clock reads {"hour": 6, "minute": 7}
